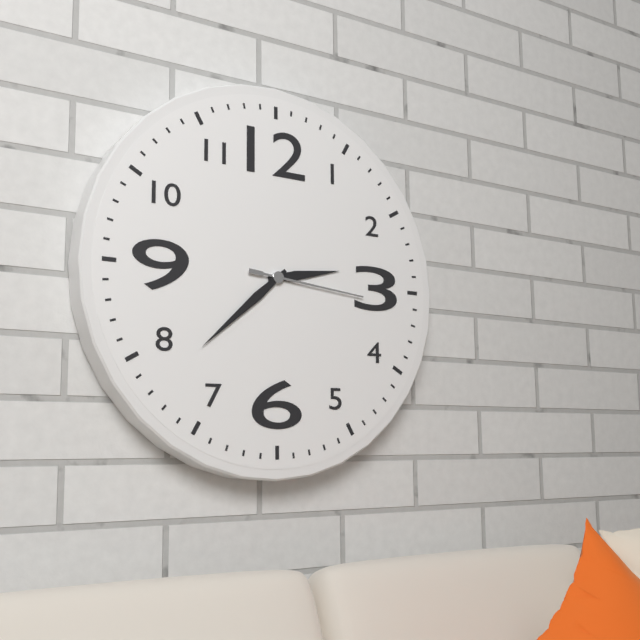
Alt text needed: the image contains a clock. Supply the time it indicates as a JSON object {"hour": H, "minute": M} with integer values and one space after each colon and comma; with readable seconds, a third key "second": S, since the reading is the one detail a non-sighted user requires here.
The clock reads {"hour": 2, "minute": 38, "second": 16}
